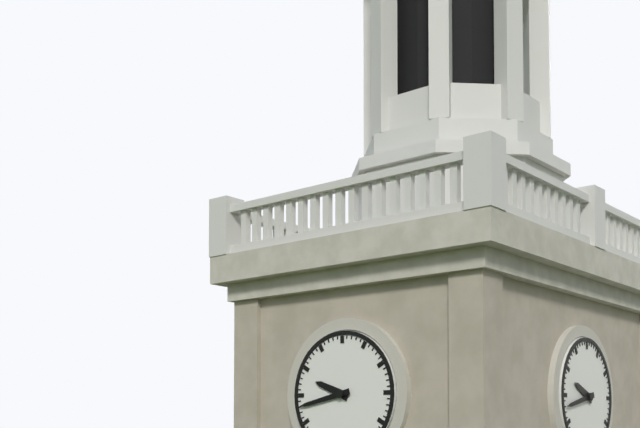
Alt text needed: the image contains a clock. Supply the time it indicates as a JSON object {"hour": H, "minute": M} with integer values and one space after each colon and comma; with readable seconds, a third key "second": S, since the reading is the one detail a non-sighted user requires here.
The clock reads {"hour": 9, "minute": 43}
